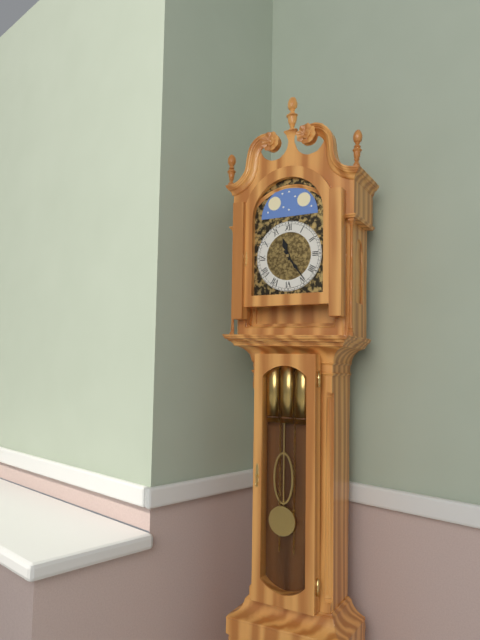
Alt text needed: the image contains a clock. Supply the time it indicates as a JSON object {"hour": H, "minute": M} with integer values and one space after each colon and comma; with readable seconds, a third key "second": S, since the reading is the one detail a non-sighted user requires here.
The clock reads {"hour": 11, "minute": 24}
